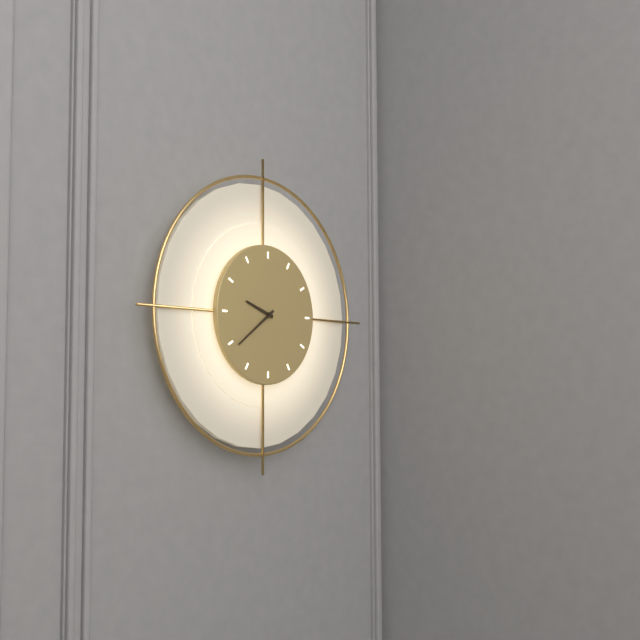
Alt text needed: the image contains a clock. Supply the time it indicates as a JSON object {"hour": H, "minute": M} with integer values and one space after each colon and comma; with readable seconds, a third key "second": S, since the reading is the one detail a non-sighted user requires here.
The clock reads {"hour": 9, "minute": 39}
